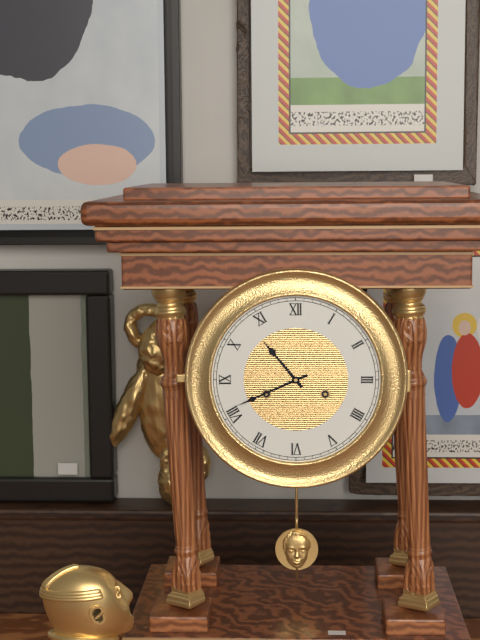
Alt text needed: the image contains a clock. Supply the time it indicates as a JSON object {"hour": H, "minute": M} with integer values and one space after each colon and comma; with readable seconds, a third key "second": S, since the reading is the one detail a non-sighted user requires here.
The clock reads {"hour": 10, "minute": 41}
